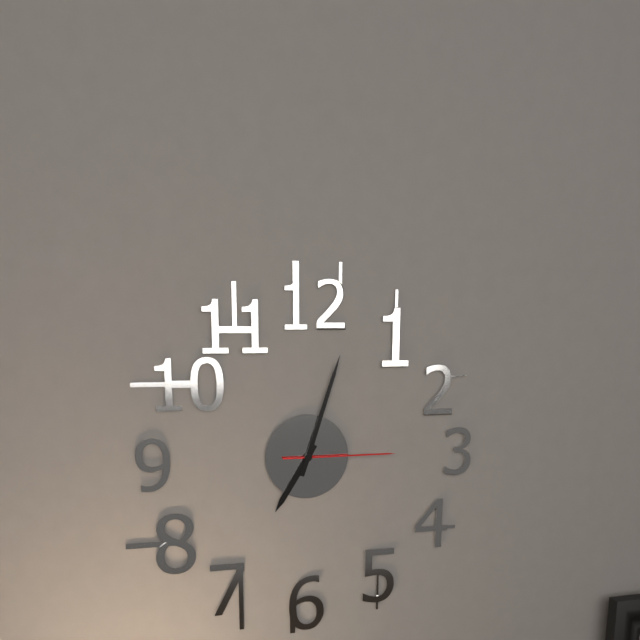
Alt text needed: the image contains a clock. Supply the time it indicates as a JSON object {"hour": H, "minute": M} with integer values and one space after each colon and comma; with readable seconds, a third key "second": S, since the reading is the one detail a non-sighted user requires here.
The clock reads {"hour": 7, "minute": 3, "second": 15}
